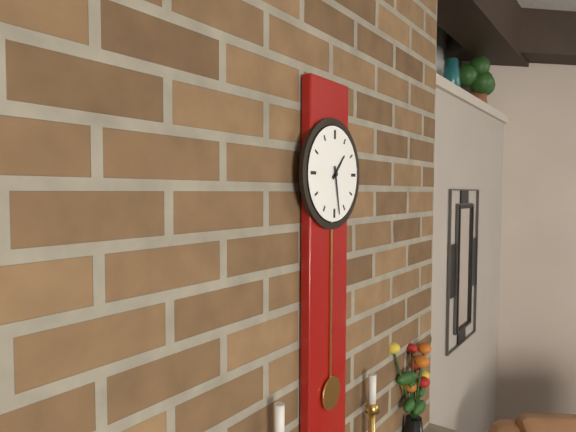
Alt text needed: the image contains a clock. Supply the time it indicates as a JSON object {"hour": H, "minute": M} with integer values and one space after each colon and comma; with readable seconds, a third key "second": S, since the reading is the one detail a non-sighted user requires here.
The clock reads {"hour": 1, "minute": 28}
